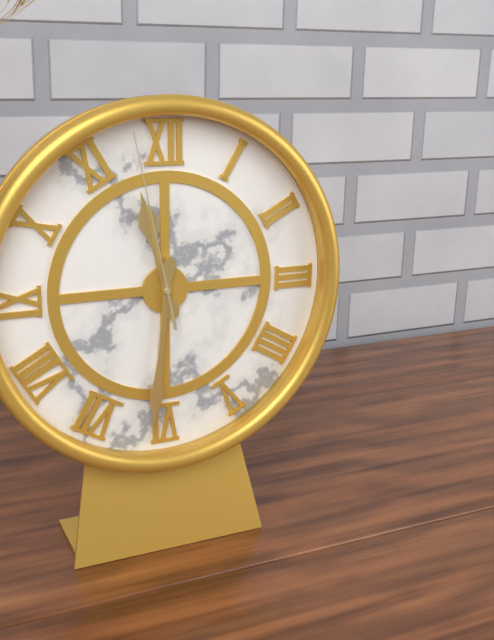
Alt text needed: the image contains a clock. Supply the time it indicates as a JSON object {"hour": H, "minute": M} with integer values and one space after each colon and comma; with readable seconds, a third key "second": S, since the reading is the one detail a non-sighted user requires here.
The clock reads {"hour": 11, "minute": 31, "second": 58}
